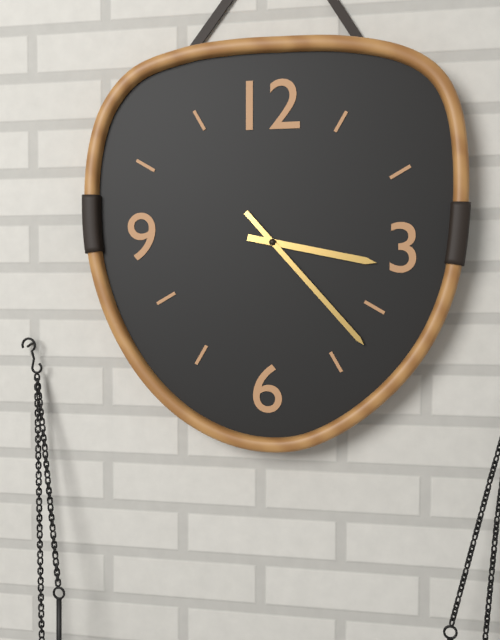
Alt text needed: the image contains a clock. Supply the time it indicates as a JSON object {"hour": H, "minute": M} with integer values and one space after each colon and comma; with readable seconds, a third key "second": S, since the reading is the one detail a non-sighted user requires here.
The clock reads {"hour": 3, "minute": 23}
